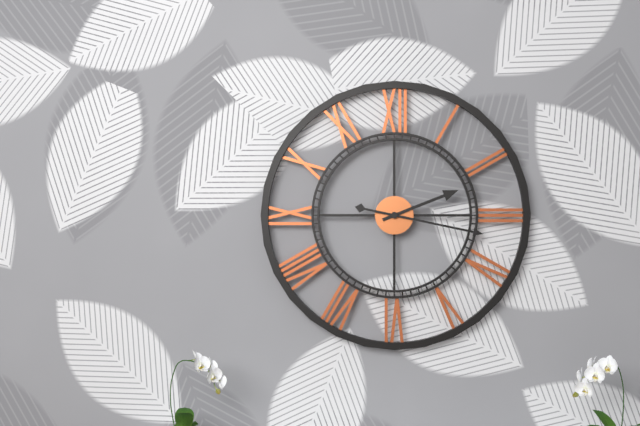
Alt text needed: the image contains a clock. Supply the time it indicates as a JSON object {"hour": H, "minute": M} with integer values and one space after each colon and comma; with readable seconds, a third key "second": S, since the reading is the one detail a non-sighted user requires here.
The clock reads {"hour": 2, "minute": 17}
